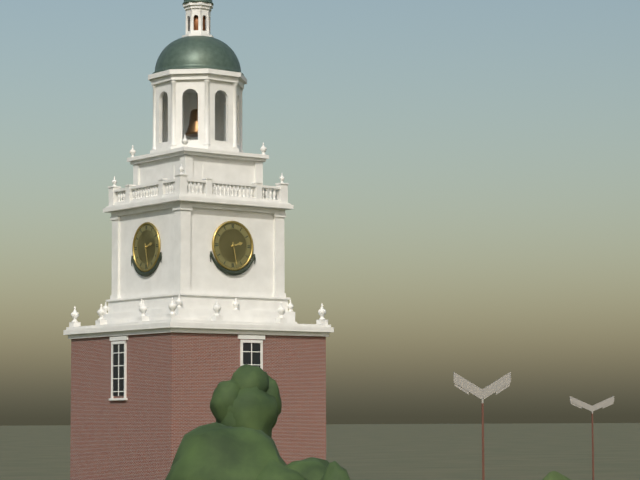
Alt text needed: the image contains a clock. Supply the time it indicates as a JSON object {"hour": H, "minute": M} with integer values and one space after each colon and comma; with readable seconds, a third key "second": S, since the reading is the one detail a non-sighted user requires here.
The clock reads {"hour": 2, "minute": 28}
